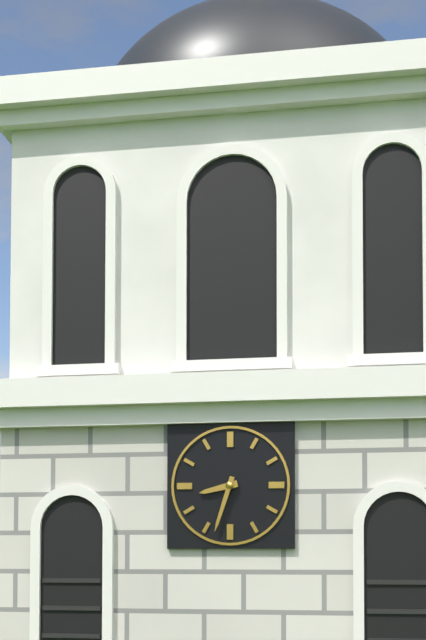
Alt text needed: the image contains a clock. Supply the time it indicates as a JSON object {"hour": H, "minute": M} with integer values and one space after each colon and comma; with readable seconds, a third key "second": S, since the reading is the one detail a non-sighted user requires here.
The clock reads {"hour": 8, "minute": 33}
